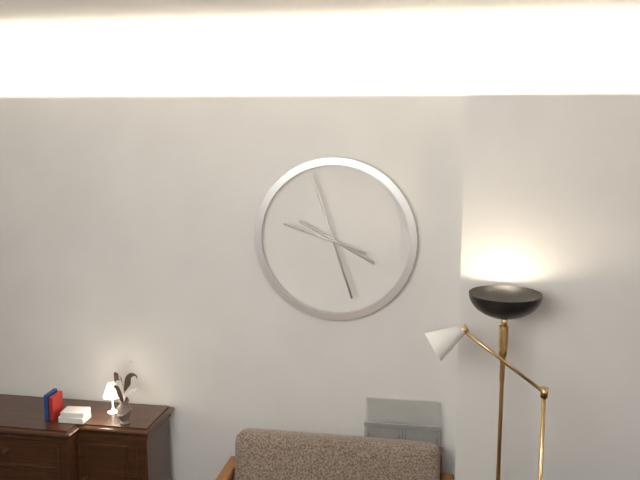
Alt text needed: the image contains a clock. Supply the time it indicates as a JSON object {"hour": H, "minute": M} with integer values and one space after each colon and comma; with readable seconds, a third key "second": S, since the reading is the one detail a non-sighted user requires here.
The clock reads {"hour": 3, "minute": 57, "second": 48}
